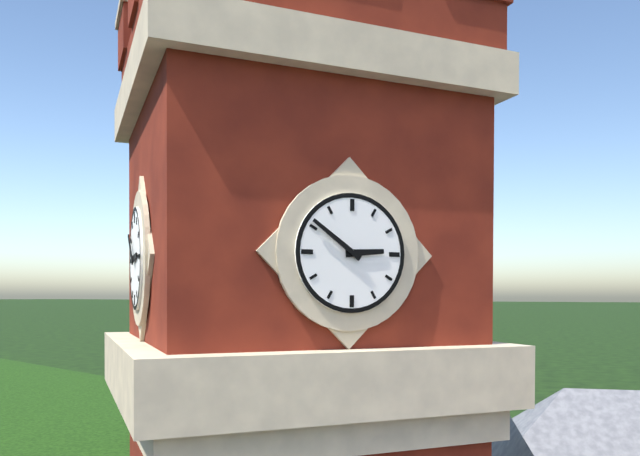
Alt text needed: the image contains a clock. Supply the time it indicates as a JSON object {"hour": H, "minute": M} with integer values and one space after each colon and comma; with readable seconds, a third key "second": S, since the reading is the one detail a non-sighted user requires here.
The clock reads {"hour": 2, "minute": 51}
